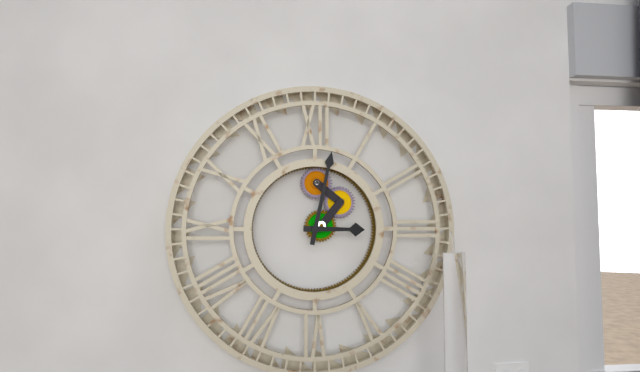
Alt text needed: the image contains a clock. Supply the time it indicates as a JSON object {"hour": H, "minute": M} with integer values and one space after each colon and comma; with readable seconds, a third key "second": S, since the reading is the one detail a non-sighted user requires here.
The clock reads {"hour": 3, "minute": 2}
